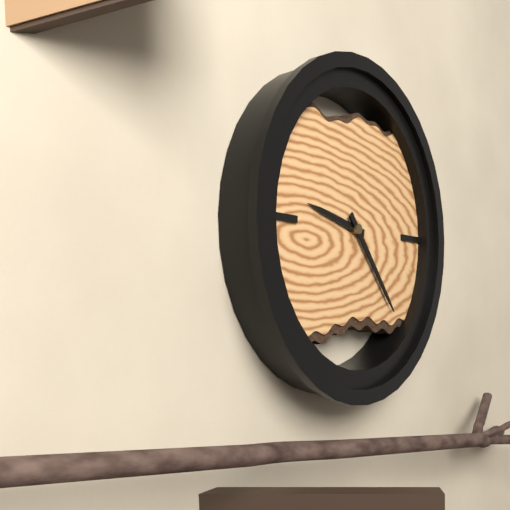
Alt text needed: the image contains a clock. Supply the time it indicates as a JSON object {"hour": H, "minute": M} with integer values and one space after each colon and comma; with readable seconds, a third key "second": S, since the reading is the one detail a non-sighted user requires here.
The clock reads {"hour": 9, "minute": 23}
